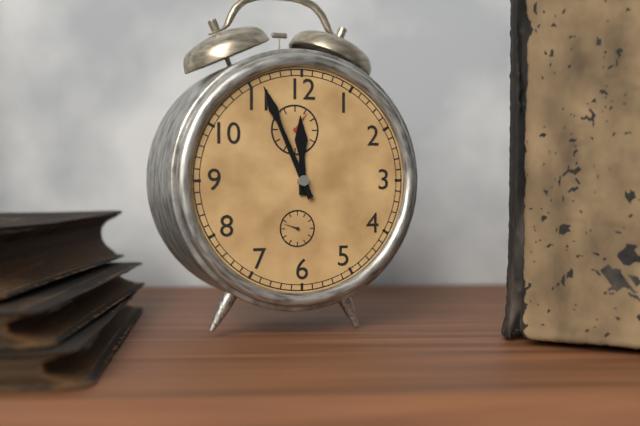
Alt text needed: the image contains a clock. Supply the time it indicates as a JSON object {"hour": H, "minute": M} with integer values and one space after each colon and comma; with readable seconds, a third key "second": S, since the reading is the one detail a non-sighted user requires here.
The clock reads {"hour": 11, "minute": 56}
